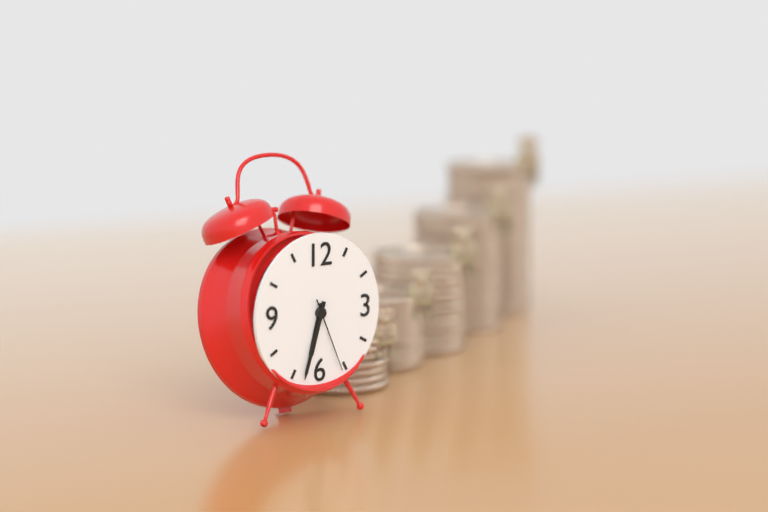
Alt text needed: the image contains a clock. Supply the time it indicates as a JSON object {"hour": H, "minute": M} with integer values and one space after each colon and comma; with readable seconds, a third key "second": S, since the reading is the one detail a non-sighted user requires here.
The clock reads {"hour": 6, "minute": 33, "second": 26}
